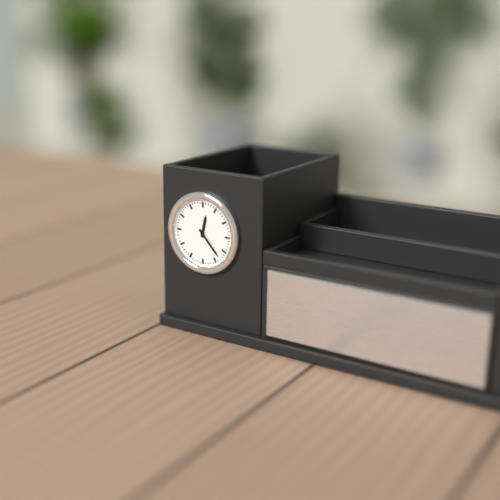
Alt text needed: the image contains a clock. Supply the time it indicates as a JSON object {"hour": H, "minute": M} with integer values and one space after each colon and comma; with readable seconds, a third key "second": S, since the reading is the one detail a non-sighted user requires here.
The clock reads {"hour": 12, "minute": 23}
